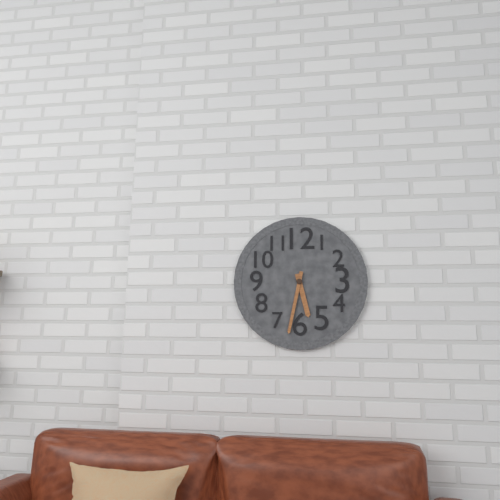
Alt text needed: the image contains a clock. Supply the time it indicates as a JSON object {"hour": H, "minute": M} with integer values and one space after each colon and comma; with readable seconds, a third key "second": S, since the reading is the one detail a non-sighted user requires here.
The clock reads {"hour": 5, "minute": 32}
